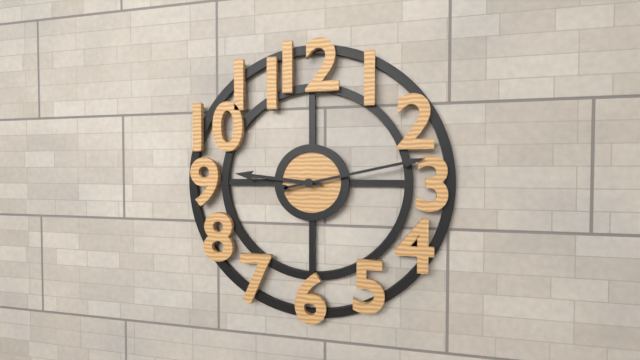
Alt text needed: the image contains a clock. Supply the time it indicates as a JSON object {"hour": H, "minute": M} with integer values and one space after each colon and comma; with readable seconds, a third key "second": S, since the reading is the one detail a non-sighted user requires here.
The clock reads {"hour": 9, "minute": 13}
